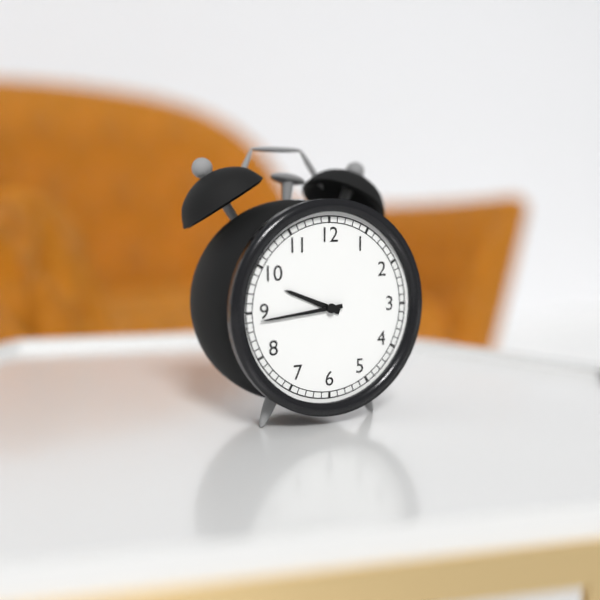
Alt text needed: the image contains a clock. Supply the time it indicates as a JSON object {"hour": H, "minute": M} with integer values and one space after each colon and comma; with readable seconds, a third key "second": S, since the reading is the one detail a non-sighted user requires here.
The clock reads {"hour": 9, "minute": 44}
